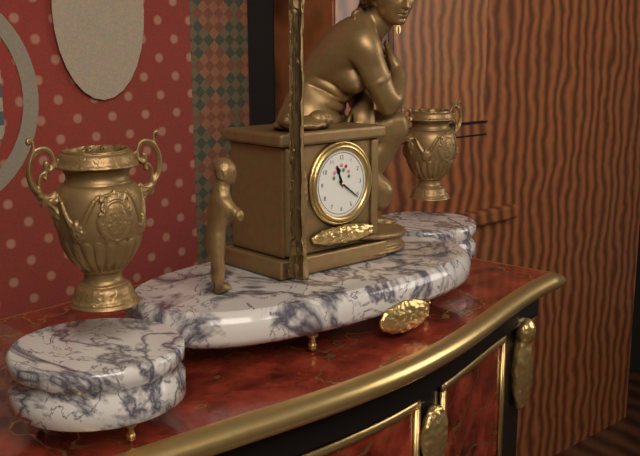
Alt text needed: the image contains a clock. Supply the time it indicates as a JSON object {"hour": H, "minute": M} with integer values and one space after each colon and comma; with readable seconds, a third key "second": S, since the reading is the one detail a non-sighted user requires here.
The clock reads {"hour": 11, "minute": 21}
